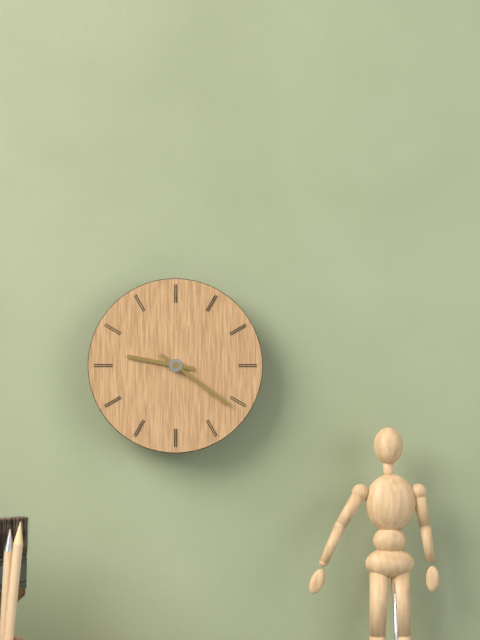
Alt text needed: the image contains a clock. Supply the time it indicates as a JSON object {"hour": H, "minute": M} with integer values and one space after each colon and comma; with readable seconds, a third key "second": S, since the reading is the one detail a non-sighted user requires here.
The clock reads {"hour": 9, "minute": 21}
